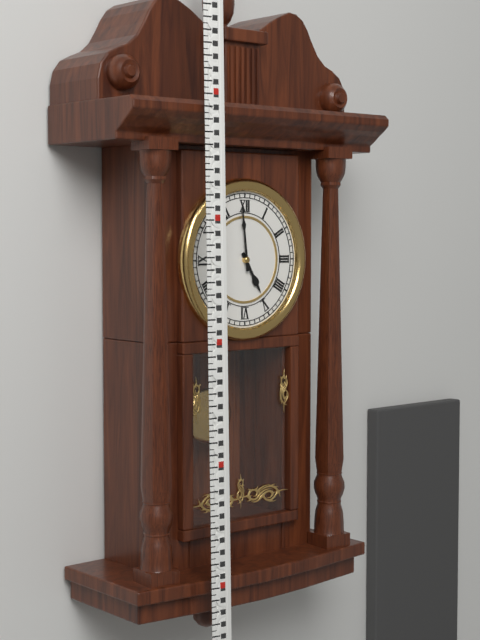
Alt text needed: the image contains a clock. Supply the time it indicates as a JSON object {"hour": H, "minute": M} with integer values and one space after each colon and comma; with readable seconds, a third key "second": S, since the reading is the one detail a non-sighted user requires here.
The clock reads {"hour": 4, "minute": 59}
